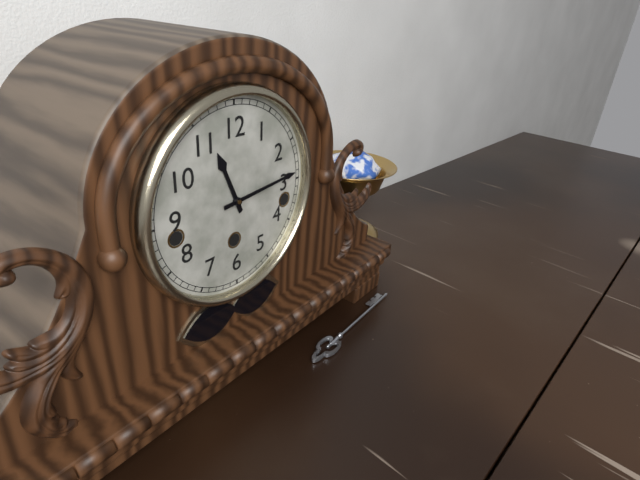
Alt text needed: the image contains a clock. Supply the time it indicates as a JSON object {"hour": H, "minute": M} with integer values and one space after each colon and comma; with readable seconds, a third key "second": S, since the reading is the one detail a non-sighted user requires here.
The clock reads {"hour": 11, "minute": 14}
